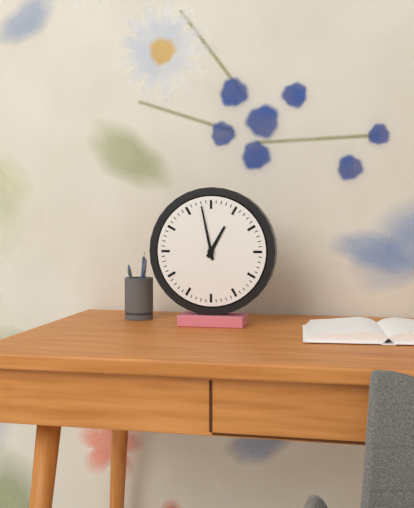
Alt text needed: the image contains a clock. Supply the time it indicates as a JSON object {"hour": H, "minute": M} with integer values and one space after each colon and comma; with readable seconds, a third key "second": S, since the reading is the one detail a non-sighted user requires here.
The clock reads {"hour": 12, "minute": 58}
